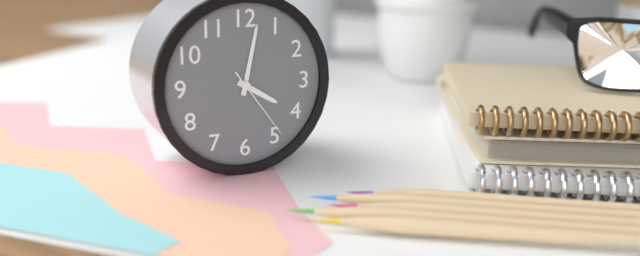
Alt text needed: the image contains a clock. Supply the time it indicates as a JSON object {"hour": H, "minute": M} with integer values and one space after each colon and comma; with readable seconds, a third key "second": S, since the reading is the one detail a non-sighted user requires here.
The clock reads {"hour": 4, "minute": 2, "second": 24}
